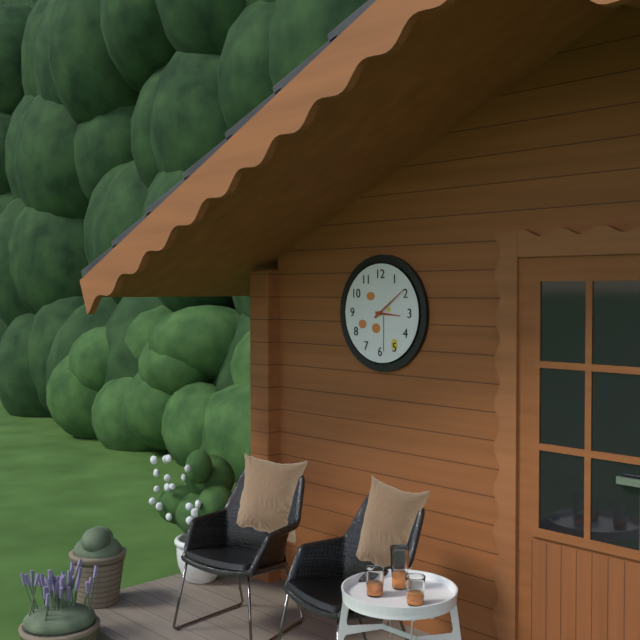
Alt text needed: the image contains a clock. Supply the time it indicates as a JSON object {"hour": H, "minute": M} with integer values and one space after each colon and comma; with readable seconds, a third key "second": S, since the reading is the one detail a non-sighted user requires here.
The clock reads {"hour": 3, "minute": 9}
